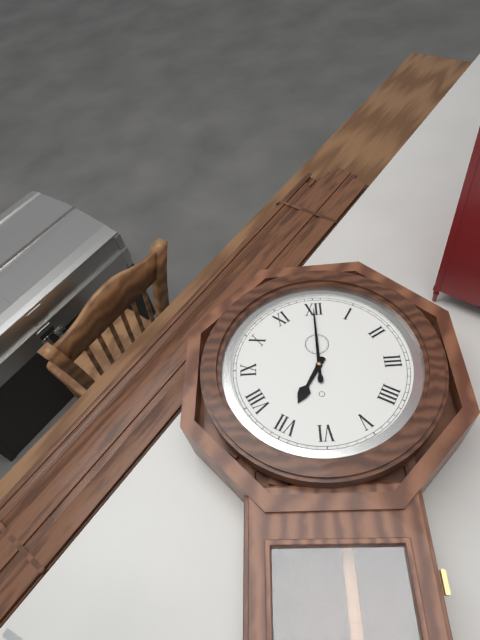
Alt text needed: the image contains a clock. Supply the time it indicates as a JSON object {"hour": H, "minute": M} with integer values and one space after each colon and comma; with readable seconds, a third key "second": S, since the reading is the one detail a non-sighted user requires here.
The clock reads {"hour": 7, "minute": 0}
